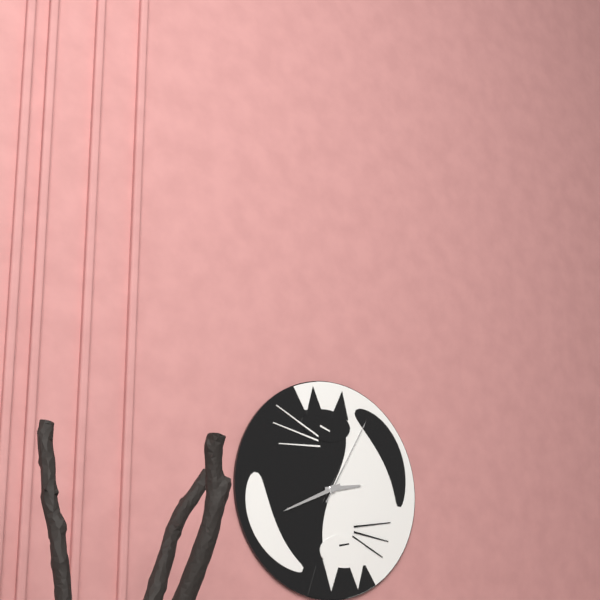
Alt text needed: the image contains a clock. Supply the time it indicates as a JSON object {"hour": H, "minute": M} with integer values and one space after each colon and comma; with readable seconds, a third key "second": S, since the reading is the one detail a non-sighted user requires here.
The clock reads {"hour": 2, "minute": 41, "second": 5}
